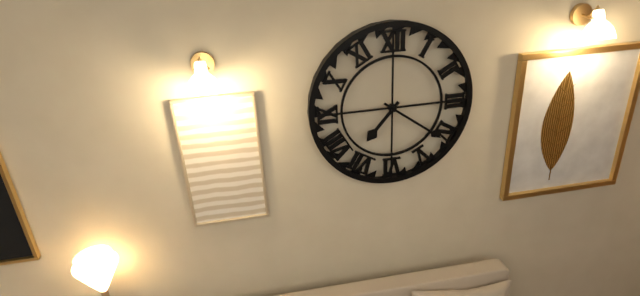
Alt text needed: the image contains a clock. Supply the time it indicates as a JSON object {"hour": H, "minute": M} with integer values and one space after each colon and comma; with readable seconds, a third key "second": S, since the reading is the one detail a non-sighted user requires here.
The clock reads {"hour": 7, "minute": 21}
